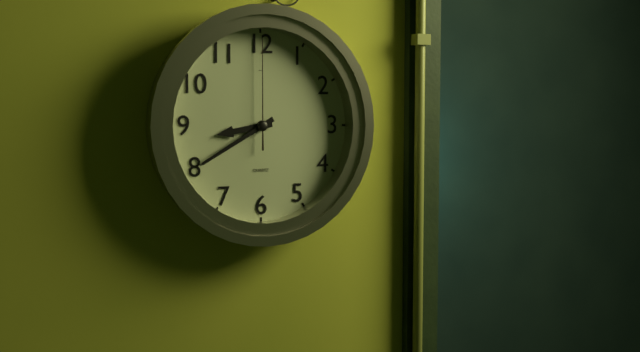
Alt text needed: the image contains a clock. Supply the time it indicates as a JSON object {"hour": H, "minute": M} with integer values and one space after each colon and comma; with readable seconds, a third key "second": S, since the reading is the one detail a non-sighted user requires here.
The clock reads {"hour": 8, "minute": 40, "second": 0}
